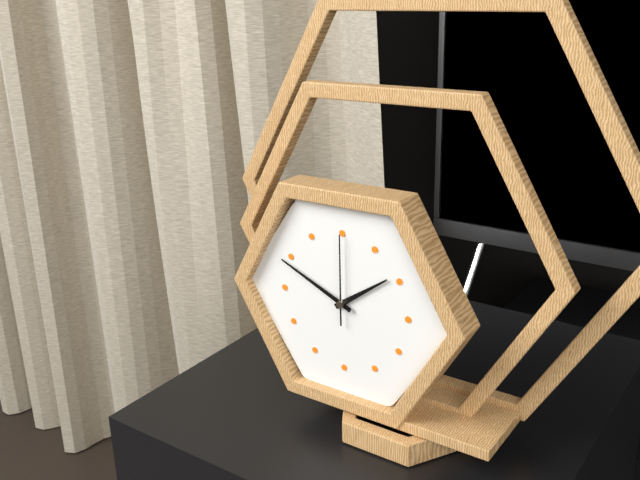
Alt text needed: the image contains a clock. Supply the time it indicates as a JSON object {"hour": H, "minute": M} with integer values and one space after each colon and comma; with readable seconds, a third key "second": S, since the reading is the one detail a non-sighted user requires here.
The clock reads {"hour": 1, "minute": 49, "second": 0}
